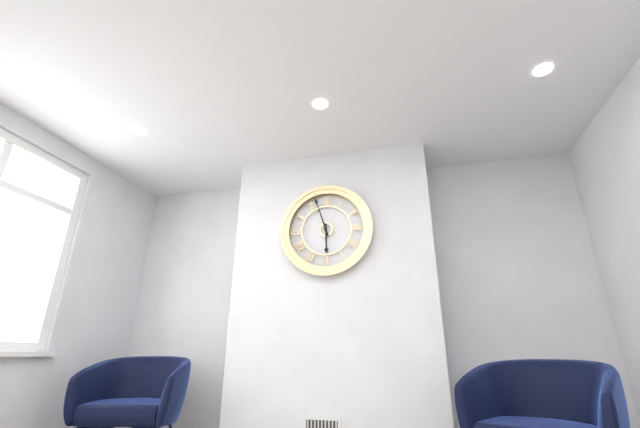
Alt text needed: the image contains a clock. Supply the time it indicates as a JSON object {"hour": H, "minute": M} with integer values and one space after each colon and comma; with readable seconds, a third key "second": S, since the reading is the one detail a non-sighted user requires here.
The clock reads {"hour": 5, "minute": 57}
